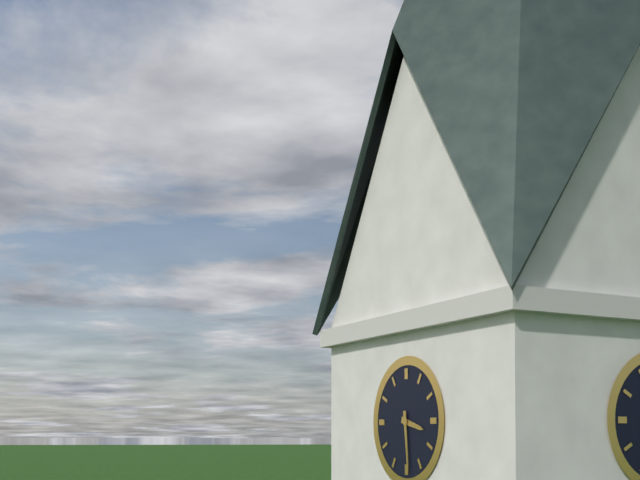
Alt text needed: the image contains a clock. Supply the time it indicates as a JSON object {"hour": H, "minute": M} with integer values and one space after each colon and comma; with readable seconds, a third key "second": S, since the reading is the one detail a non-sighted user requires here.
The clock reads {"hour": 3, "minute": 29}
